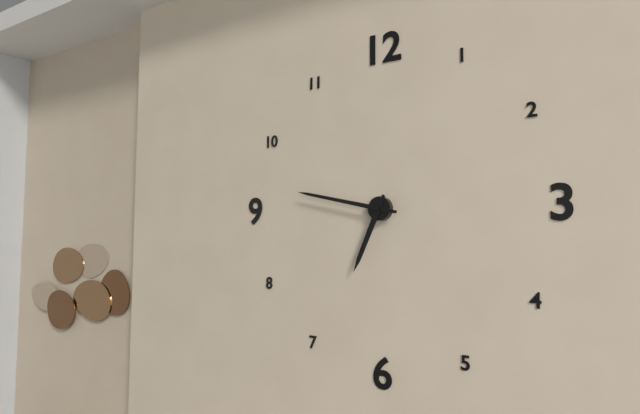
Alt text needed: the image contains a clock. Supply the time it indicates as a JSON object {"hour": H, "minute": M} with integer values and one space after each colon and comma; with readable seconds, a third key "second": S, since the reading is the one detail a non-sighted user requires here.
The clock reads {"hour": 6, "minute": 47}
